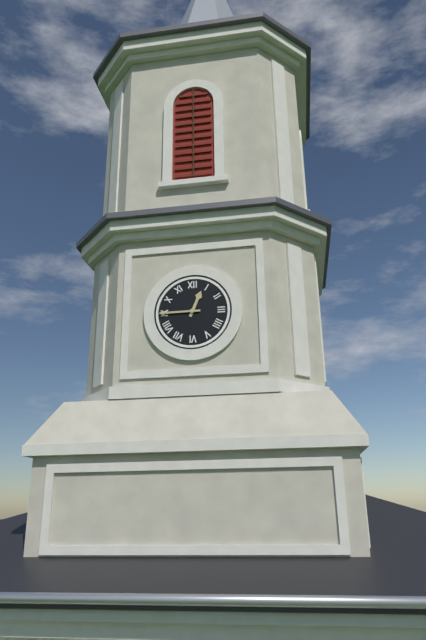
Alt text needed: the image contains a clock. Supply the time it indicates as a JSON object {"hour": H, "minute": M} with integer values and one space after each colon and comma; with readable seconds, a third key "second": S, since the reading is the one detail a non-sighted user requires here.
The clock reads {"hour": 12, "minute": 45}
